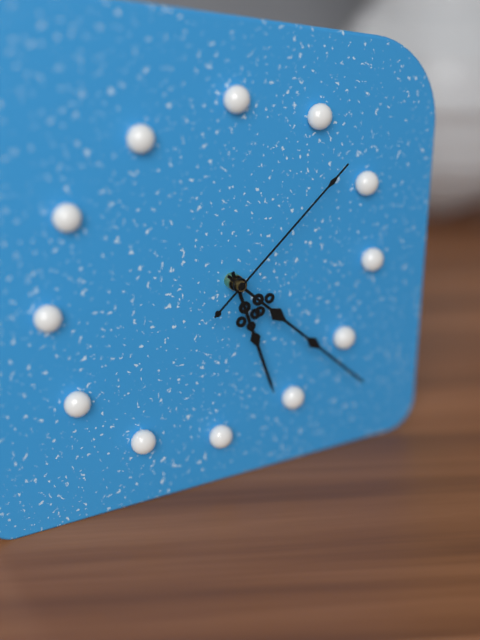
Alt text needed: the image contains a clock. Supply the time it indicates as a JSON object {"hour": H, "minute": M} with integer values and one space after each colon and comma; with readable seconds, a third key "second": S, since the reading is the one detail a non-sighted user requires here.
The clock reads {"hour": 5, "minute": 22, "second": 8}
